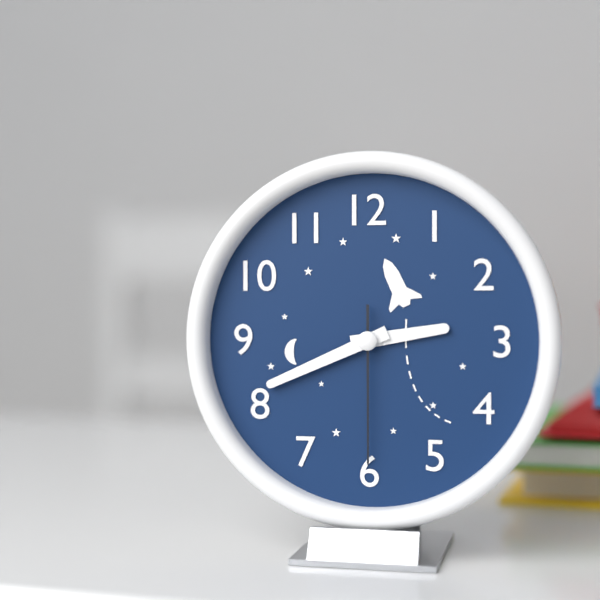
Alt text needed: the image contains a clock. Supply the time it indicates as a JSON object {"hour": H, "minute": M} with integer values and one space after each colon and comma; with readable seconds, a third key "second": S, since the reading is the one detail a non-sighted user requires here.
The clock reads {"hour": 2, "minute": 41, "second": 30}
